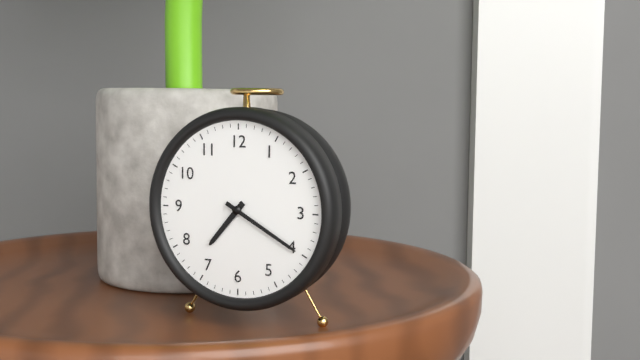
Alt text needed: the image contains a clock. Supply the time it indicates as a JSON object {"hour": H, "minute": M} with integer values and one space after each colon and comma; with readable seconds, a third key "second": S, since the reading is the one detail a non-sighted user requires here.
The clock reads {"hour": 7, "minute": 20}
